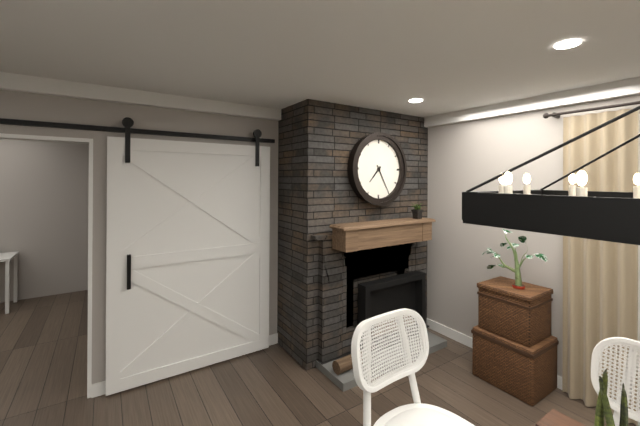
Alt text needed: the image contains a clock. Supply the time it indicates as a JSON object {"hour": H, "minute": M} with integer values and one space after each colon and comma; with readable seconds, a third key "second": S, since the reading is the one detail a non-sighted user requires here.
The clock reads {"hour": 7, "minute": 25}
